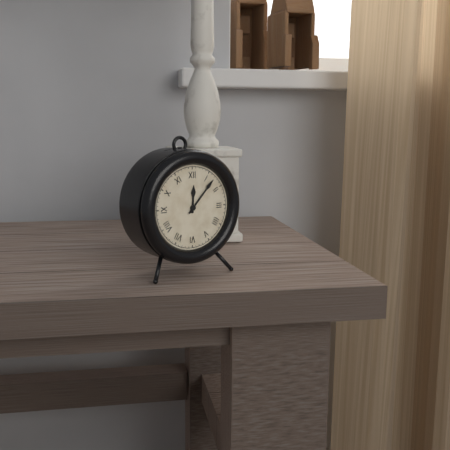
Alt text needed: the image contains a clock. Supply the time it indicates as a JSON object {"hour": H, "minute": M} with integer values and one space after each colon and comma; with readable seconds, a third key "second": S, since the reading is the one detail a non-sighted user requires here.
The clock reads {"hour": 12, "minute": 7}
